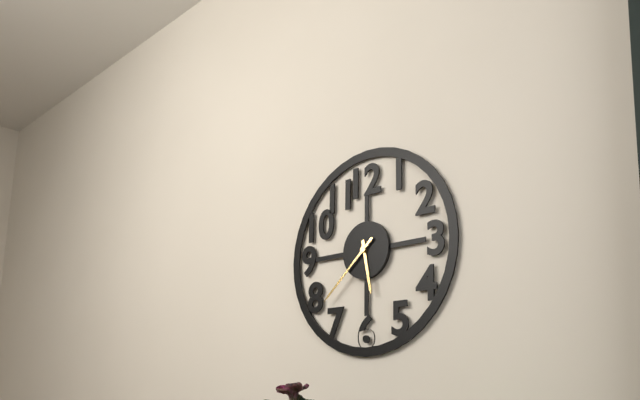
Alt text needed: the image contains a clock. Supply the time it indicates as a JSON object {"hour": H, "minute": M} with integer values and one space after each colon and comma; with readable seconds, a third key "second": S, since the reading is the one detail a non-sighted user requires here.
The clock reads {"hour": 5, "minute": 38}
